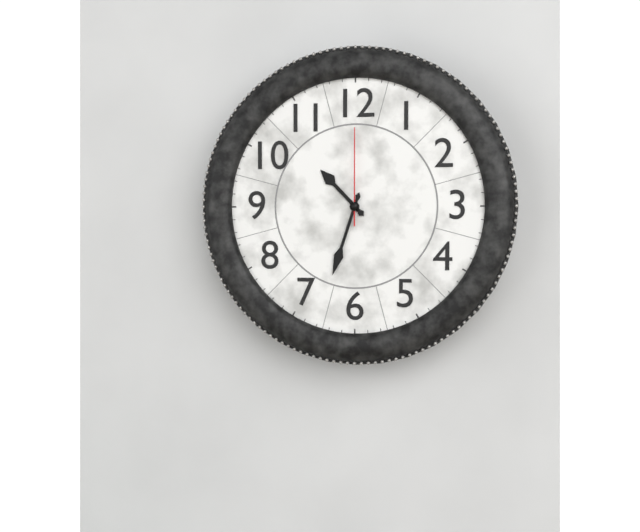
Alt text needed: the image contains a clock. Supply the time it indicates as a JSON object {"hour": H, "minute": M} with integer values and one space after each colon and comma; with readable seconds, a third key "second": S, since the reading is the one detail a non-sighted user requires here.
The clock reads {"hour": 10, "minute": 33, "second": 0}
